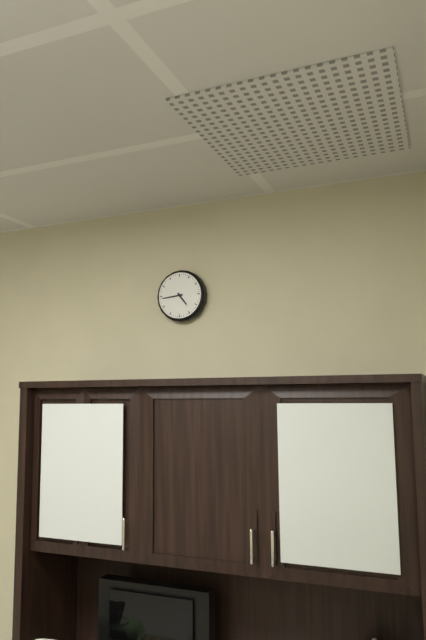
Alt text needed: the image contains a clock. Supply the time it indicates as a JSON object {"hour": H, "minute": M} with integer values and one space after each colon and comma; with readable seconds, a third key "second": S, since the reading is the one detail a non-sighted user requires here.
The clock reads {"hour": 4, "minute": 44}
